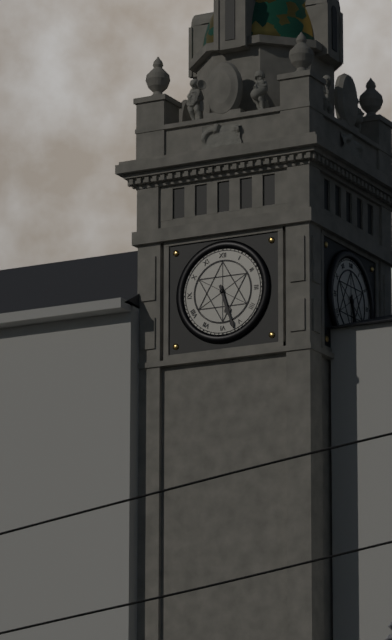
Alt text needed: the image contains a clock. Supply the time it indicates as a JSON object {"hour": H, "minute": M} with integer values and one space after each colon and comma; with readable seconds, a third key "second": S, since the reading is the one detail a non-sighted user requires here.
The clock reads {"hour": 5, "minute": 27}
